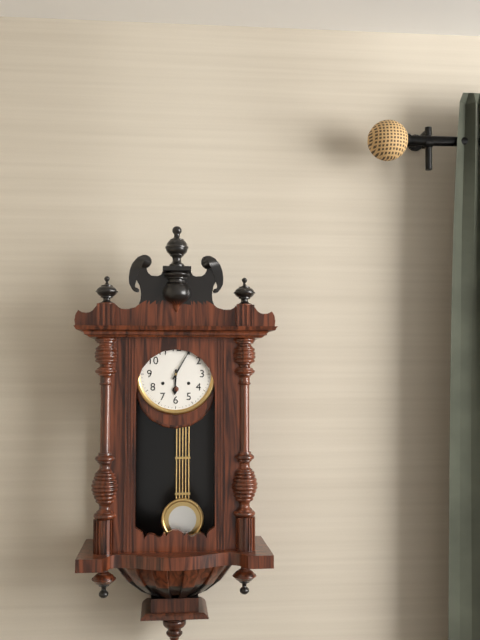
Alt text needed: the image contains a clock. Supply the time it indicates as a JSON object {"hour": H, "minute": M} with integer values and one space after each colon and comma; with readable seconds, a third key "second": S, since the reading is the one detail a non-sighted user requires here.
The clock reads {"hour": 6, "minute": 5}
